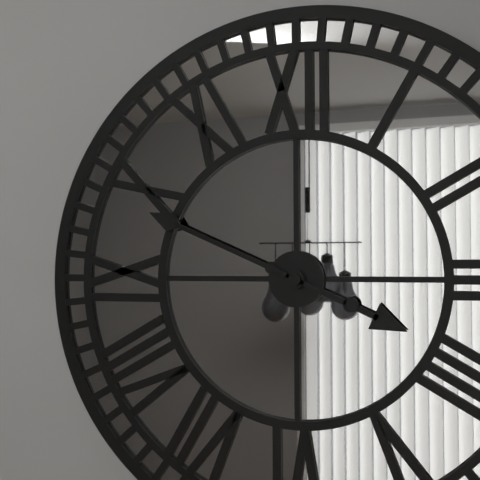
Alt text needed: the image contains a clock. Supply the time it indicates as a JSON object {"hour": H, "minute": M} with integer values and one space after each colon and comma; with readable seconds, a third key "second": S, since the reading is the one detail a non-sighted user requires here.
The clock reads {"hour": 3, "minute": 49}
